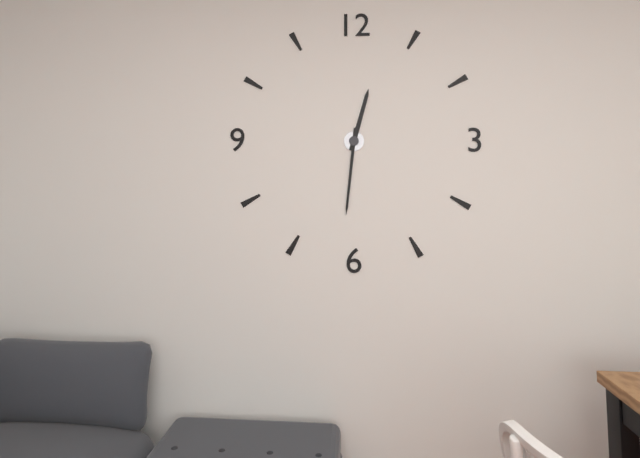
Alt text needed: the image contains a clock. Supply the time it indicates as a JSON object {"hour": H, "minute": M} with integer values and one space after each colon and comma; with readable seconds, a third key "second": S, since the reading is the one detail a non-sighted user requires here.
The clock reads {"hour": 12, "minute": 31}
